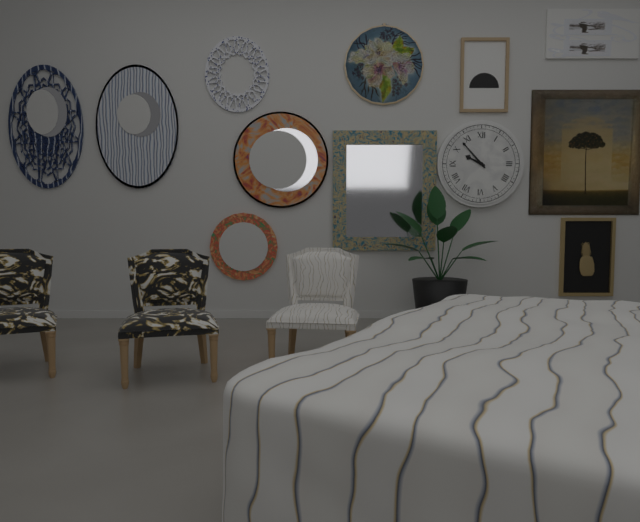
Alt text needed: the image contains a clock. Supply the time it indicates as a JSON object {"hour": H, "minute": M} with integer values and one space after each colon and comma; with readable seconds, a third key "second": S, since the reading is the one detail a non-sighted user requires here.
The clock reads {"hour": 9, "minute": 53}
